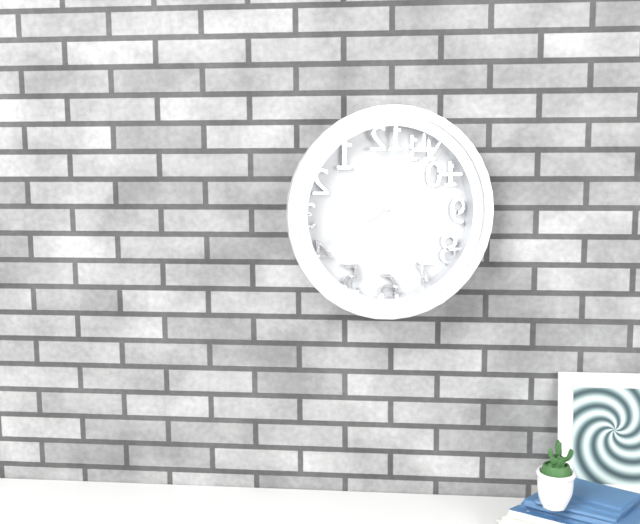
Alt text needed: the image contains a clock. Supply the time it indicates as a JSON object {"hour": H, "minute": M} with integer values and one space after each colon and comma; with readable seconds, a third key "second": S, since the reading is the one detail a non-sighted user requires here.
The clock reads {"hour": 8, "minute": 6}
